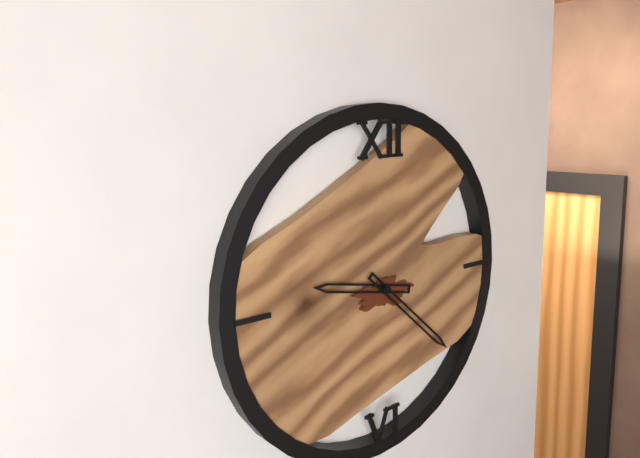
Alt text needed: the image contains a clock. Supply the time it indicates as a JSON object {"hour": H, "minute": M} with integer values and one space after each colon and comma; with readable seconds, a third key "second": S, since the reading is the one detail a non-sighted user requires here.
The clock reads {"hour": 9, "minute": 22}
